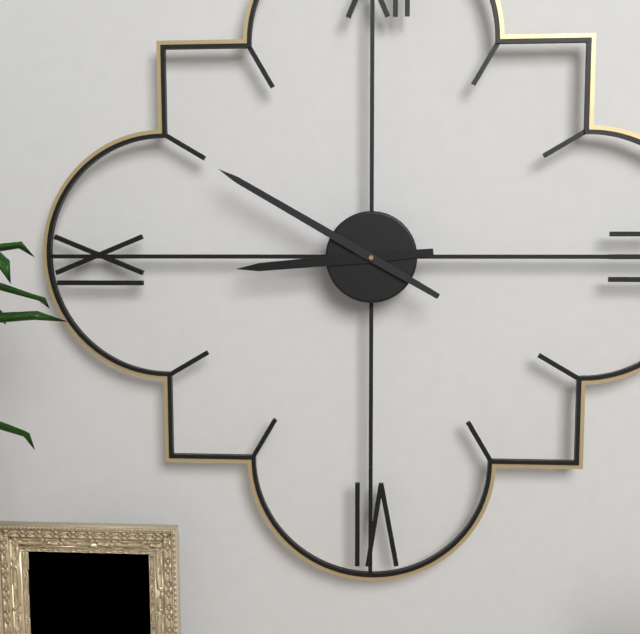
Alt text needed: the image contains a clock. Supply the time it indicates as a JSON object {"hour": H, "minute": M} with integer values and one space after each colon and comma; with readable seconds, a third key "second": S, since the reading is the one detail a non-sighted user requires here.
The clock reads {"hour": 8, "minute": 50}
